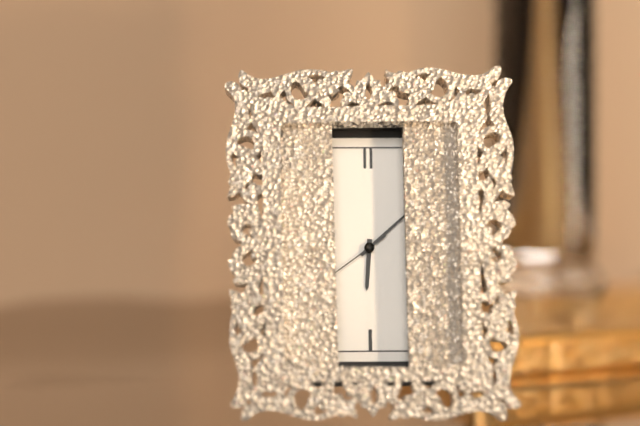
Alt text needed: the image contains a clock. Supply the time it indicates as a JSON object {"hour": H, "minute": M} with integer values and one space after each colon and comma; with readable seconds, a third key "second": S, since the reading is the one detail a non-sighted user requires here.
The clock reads {"hour": 6, "minute": 8, "second": 39}
